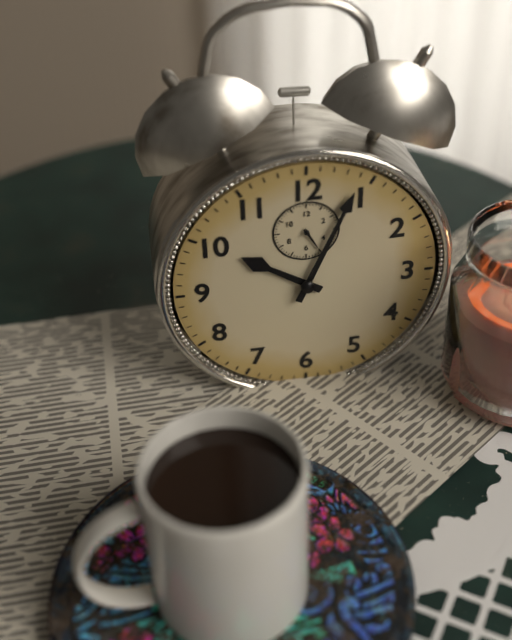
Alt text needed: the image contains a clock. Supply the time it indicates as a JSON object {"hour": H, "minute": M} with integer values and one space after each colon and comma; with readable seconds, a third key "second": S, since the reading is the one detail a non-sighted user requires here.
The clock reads {"hour": 10, "minute": 4}
